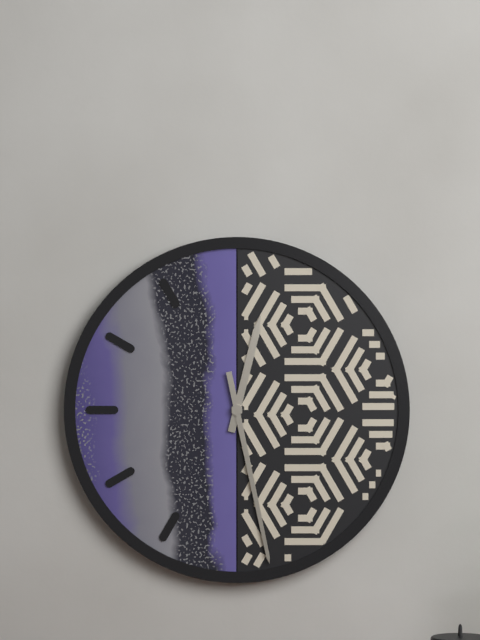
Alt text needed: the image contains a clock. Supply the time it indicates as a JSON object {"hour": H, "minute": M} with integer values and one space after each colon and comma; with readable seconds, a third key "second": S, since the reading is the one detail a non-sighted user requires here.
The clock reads {"hour": 12, "minute": 28}
